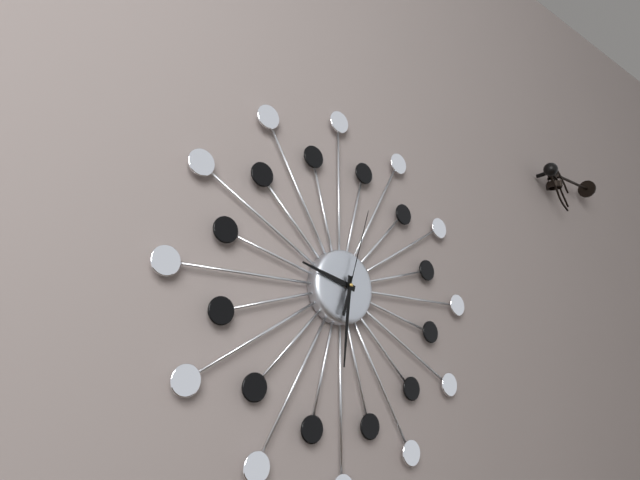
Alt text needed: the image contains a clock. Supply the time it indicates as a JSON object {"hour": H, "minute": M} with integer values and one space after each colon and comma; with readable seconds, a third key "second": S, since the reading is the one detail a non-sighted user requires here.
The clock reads {"hour": 9, "minute": 31, "second": 3}
